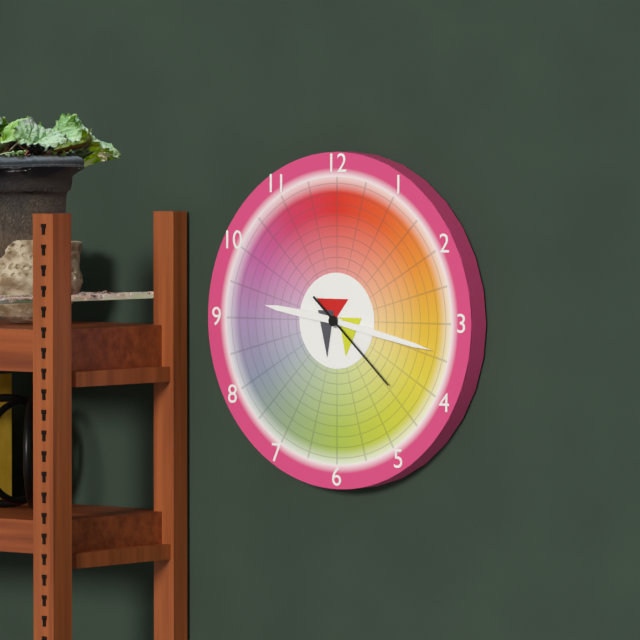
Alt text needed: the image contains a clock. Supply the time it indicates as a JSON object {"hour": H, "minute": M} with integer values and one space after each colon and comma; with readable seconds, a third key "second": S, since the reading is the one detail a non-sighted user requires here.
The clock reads {"hour": 9, "minute": 17, "second": 22}
